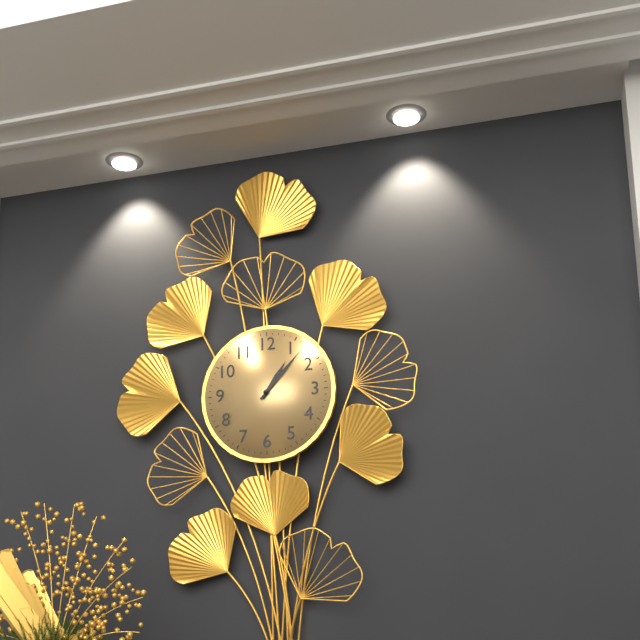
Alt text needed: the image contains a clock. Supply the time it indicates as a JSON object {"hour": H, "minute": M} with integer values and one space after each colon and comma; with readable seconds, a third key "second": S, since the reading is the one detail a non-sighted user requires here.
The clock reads {"hour": 1, "minute": 7}
